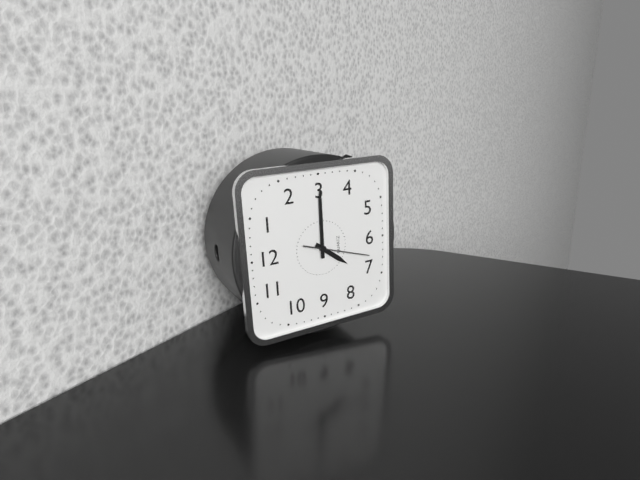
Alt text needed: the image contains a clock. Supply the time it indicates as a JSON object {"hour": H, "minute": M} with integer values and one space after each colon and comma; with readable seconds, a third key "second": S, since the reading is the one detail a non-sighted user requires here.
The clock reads {"hour": 7, "minute": 15, "second": 33}
